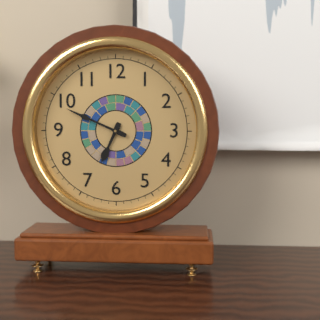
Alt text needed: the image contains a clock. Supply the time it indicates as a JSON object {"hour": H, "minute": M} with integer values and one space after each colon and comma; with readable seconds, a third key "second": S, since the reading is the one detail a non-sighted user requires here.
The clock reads {"hour": 6, "minute": 49}
